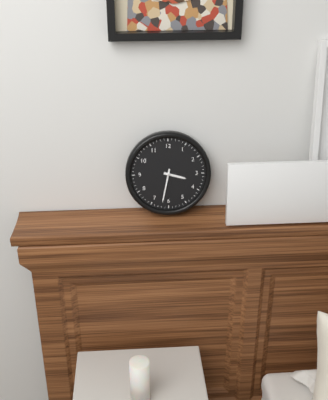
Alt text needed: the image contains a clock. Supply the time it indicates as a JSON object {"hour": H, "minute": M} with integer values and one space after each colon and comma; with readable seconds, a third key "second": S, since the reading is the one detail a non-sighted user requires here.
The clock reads {"hour": 3, "minute": 32}
